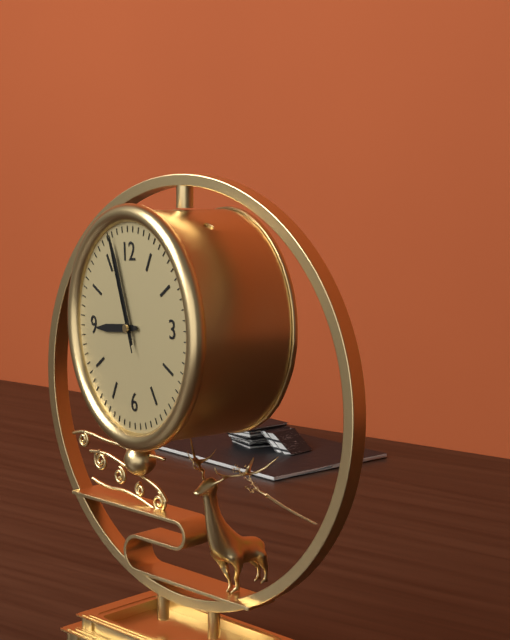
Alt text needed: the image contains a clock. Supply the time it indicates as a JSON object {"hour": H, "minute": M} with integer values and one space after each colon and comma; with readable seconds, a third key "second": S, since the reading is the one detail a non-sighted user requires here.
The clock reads {"hour": 8, "minute": 57, "second": 57}
